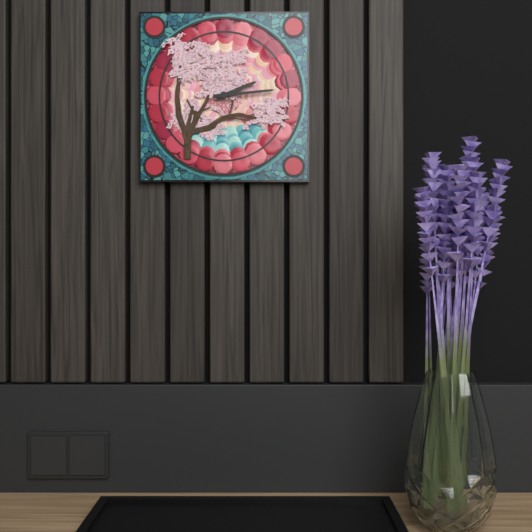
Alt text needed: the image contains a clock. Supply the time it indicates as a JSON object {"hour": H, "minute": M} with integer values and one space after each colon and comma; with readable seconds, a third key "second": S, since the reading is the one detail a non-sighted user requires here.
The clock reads {"hour": 2, "minute": 14}
